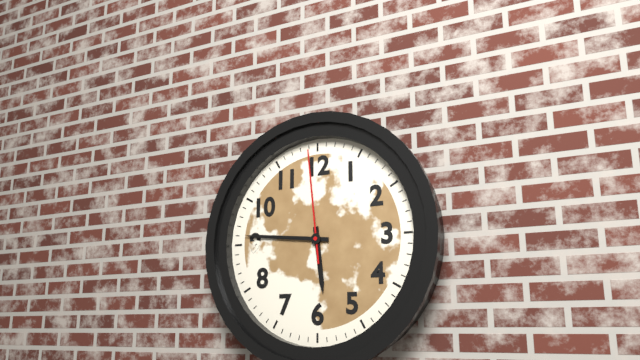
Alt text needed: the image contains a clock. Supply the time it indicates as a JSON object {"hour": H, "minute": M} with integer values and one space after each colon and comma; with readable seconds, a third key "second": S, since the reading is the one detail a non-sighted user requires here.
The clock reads {"hour": 5, "minute": 46, "second": 59}
